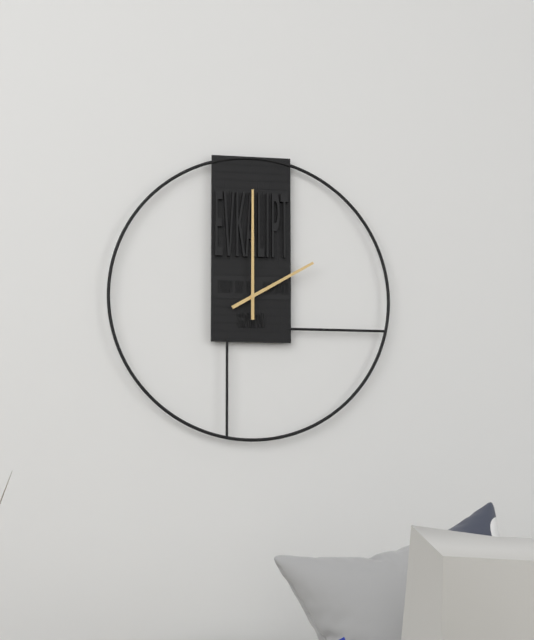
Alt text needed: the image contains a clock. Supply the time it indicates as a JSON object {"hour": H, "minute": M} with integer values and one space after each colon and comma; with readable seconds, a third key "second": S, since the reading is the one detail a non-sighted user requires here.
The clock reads {"hour": 2, "minute": 0}
